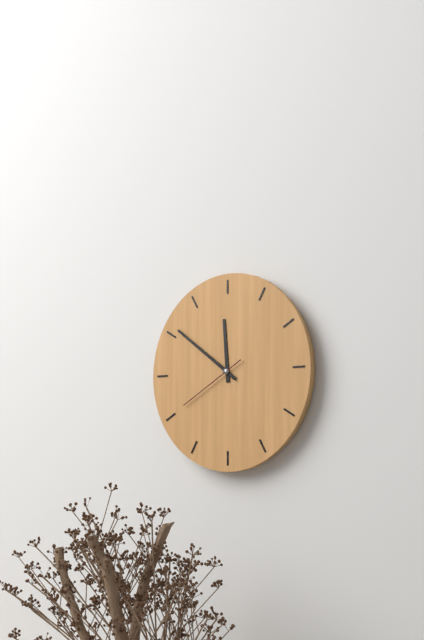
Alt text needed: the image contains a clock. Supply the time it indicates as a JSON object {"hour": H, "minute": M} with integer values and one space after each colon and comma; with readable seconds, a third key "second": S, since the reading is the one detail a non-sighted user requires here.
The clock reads {"hour": 11, "minute": 51, "second": 40}
